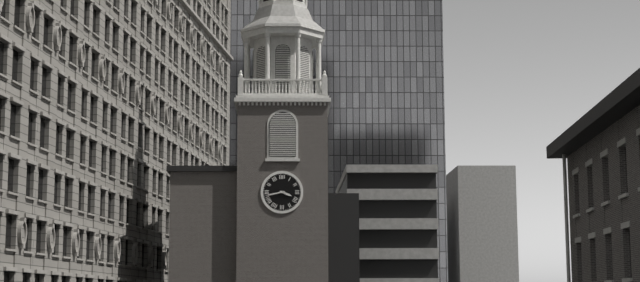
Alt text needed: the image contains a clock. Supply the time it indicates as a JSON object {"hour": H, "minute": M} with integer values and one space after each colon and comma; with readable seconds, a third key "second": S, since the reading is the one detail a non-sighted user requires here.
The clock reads {"hour": 3, "minute": 43}
